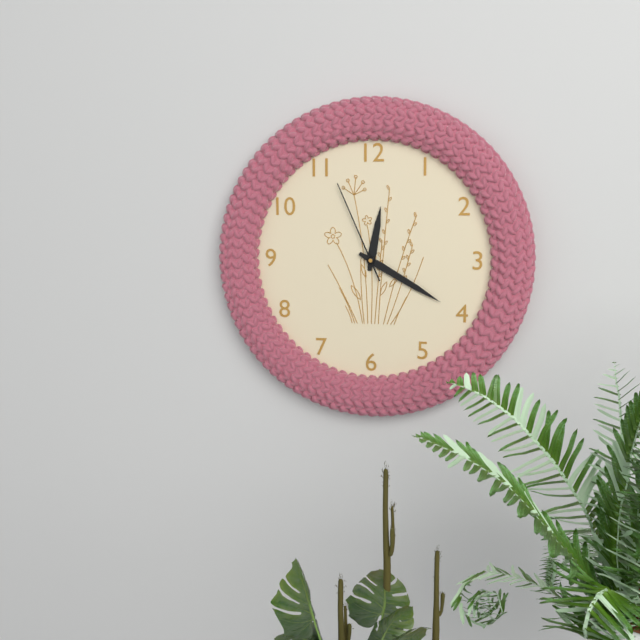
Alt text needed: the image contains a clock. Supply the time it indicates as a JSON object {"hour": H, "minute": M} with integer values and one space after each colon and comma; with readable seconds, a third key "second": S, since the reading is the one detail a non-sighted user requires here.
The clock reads {"hour": 12, "minute": 20, "second": 56}
